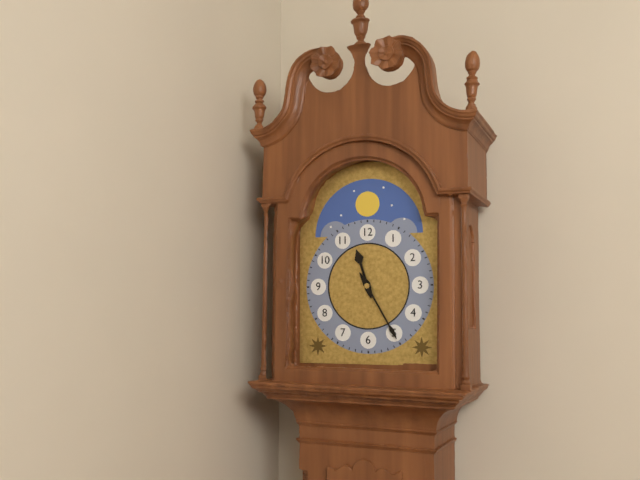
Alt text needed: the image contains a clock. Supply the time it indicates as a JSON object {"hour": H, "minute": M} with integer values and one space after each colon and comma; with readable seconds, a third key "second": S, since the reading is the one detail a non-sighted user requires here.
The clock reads {"hour": 11, "minute": 25}
